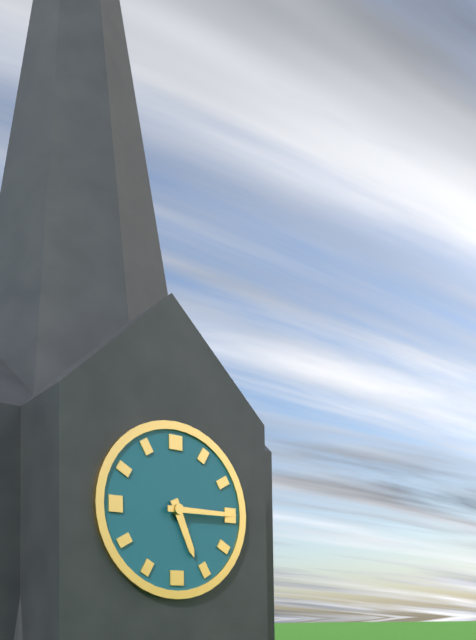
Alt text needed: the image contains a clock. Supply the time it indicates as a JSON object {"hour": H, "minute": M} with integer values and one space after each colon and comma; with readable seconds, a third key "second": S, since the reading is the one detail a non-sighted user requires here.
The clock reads {"hour": 5, "minute": 15}
